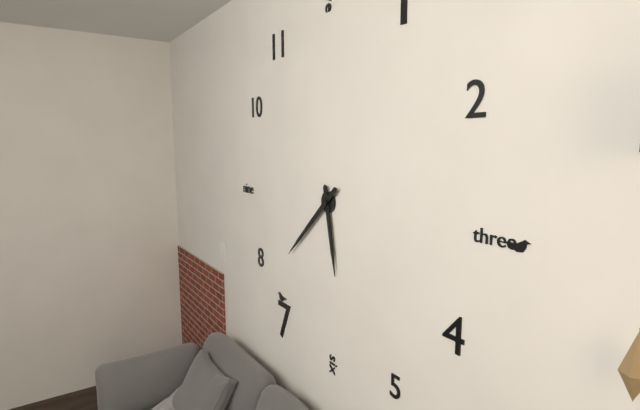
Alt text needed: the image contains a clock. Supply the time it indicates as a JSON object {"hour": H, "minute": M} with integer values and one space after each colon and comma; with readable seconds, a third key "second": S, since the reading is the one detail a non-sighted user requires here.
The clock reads {"hour": 5, "minute": 38}
